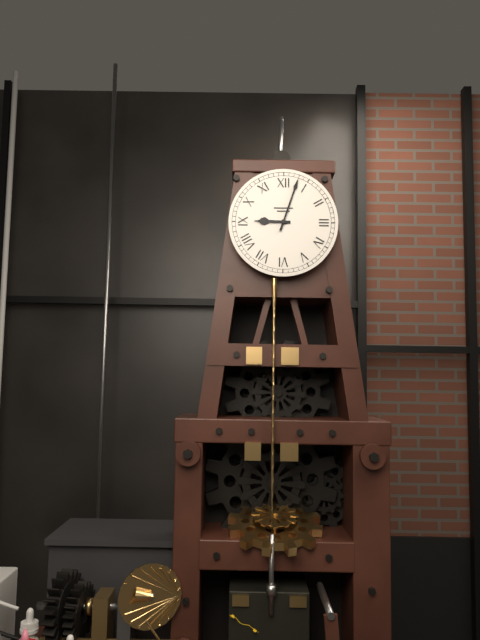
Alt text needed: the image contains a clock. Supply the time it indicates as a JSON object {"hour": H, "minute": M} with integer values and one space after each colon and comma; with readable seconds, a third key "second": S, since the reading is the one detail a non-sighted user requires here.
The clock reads {"hour": 9, "minute": 3}
